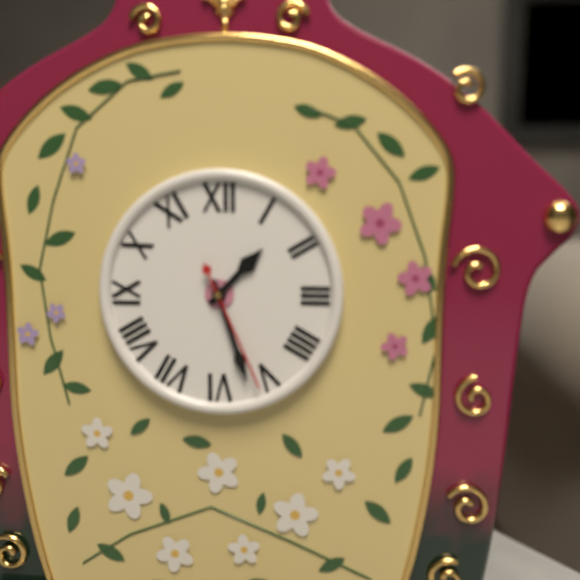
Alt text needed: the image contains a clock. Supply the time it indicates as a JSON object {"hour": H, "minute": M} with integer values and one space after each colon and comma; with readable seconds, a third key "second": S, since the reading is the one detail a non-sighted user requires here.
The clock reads {"hour": 1, "minute": 27, "second": 26}
